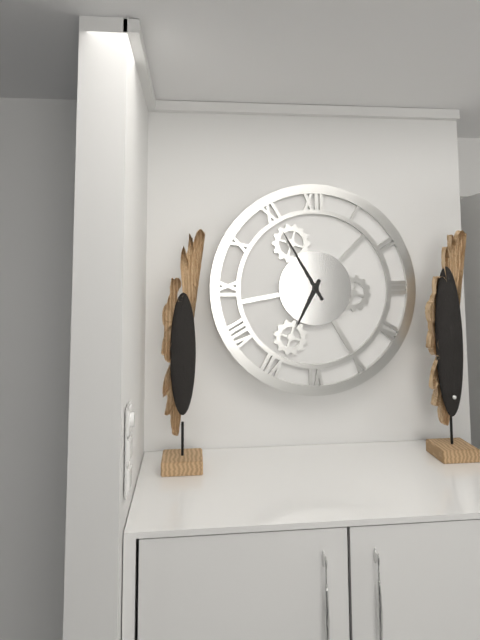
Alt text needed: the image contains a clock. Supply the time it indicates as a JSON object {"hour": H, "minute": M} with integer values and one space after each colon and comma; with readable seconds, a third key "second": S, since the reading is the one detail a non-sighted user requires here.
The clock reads {"hour": 6, "minute": 55}
